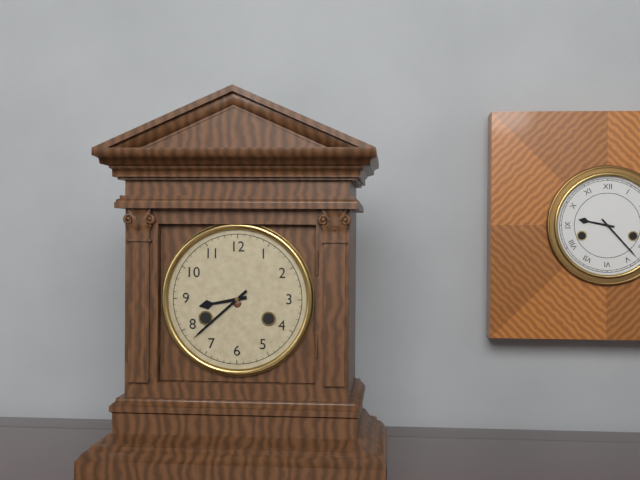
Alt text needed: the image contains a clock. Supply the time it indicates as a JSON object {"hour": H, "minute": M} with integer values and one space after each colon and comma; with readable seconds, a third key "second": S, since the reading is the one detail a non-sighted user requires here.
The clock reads {"hour": 8, "minute": 38}
